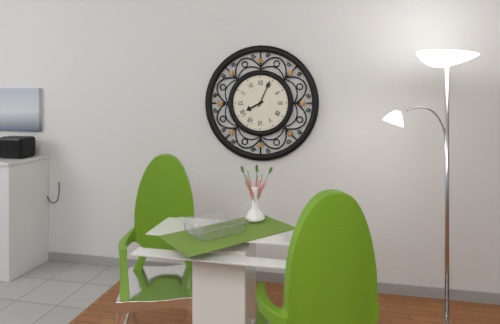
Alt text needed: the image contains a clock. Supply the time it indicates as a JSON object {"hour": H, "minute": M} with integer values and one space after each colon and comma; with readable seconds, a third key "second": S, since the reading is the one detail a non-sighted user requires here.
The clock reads {"hour": 8, "minute": 4}
